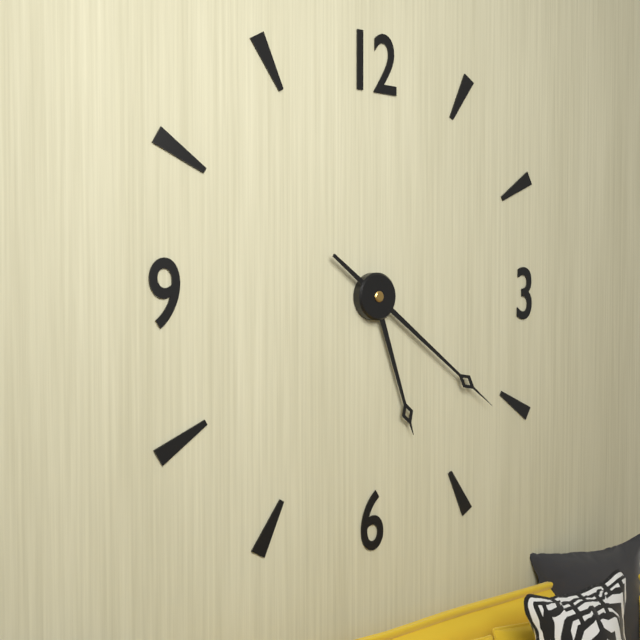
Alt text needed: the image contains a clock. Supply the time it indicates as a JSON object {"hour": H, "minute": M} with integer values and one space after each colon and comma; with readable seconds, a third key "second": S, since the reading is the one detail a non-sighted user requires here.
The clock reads {"hour": 5, "minute": 21}
